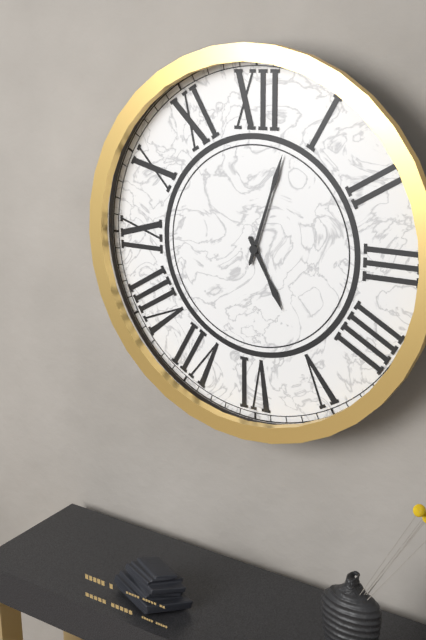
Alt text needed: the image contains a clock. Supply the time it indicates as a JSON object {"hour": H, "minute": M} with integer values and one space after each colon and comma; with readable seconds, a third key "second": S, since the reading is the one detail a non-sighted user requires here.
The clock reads {"hour": 5, "minute": 3}
